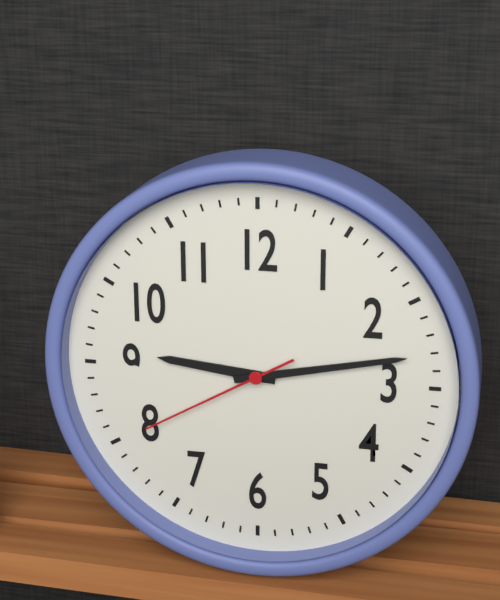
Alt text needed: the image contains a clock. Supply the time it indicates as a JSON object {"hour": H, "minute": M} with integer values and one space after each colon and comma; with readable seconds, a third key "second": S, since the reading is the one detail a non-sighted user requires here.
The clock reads {"hour": 9, "minute": 13, "second": 40}
